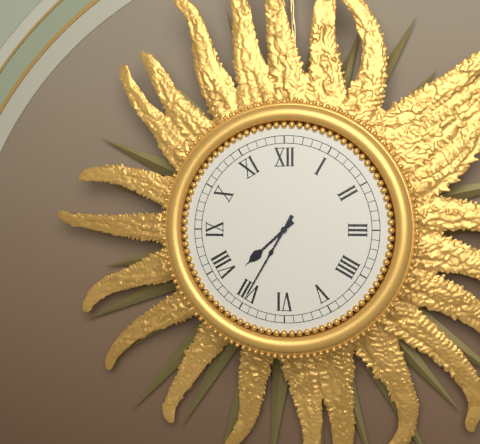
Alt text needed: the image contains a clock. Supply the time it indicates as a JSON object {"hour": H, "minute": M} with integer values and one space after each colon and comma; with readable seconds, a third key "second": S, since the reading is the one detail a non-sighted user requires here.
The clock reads {"hour": 7, "minute": 35}
